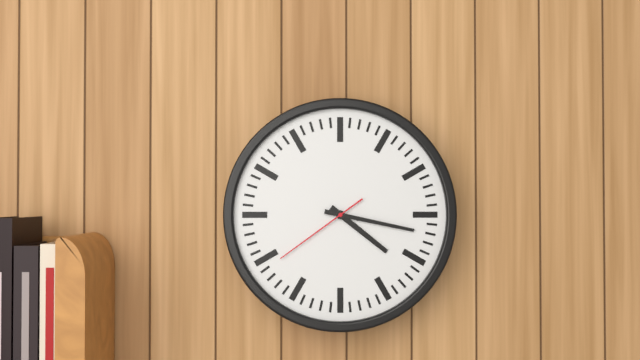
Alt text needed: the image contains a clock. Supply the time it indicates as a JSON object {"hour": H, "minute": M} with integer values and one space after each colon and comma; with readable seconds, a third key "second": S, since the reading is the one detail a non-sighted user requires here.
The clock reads {"hour": 4, "minute": 17, "second": 39}
